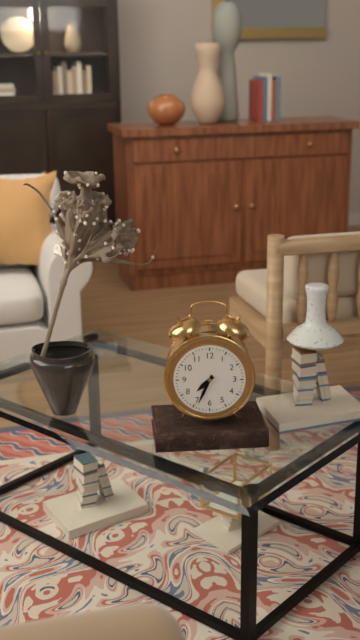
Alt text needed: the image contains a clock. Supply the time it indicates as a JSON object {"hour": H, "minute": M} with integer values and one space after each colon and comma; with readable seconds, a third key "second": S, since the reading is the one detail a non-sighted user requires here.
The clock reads {"hour": 7, "minute": 34}
